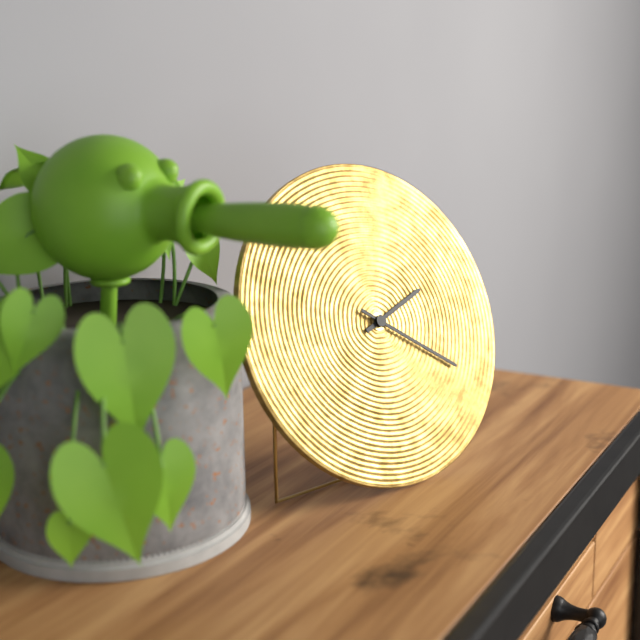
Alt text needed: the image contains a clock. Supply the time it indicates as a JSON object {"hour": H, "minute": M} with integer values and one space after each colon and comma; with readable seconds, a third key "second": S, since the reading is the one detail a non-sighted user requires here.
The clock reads {"hour": 2, "minute": 21}
